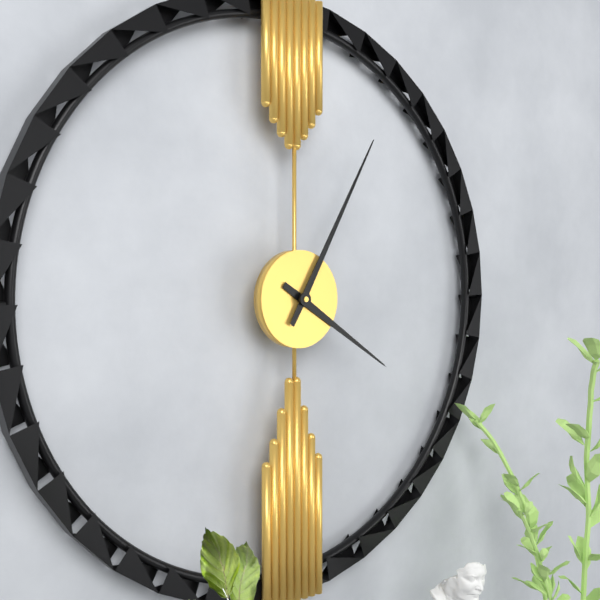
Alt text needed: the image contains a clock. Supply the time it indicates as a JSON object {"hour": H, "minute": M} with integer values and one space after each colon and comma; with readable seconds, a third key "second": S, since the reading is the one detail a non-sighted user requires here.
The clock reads {"hour": 4, "minute": 5}
